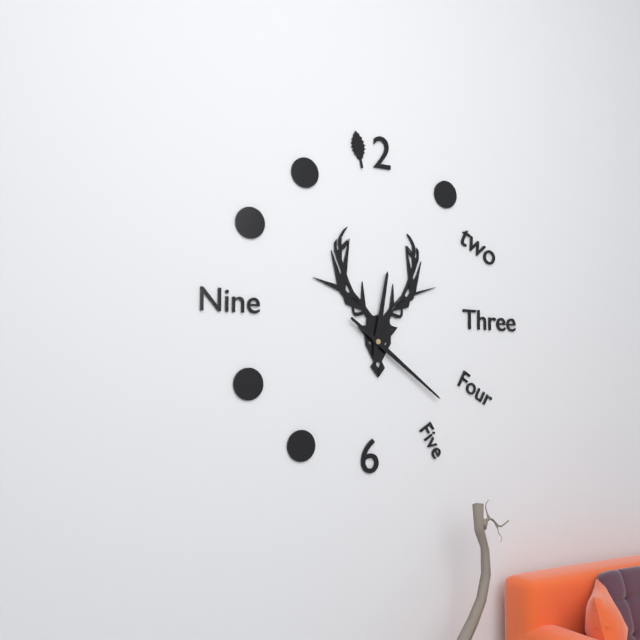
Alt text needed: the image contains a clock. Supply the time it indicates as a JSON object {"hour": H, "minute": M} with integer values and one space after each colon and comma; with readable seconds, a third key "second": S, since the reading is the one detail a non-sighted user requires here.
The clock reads {"hour": 12, "minute": 21}
